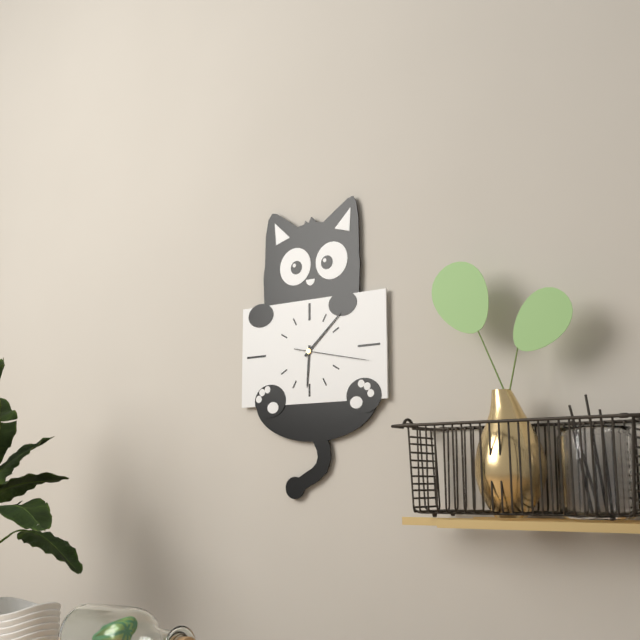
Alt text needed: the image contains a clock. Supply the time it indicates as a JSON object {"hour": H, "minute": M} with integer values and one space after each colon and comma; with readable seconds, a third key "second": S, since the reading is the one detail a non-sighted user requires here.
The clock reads {"hour": 6, "minute": 8, "second": 17}
